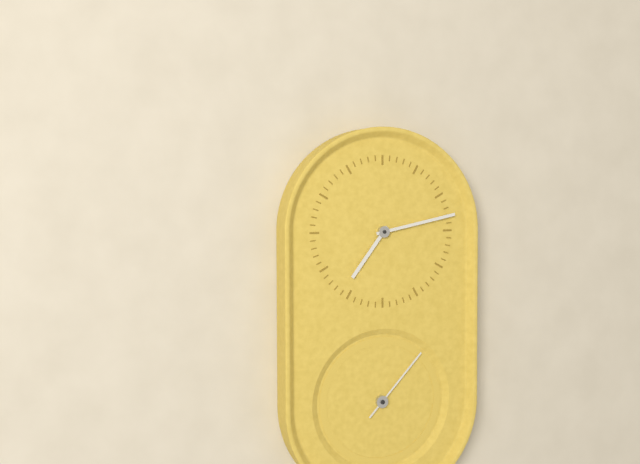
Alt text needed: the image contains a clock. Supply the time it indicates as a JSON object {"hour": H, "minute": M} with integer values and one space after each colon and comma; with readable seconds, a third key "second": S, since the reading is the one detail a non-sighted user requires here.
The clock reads {"hour": 7, "minute": 13, "second": 7}
